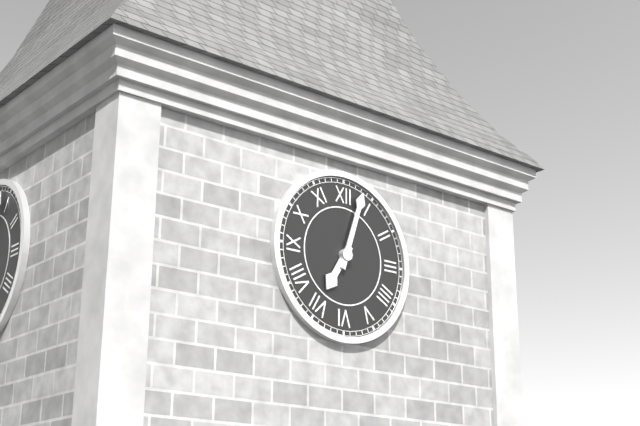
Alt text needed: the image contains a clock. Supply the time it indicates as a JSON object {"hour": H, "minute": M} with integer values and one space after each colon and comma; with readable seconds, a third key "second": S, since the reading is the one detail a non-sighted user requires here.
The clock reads {"hour": 7, "minute": 3}
